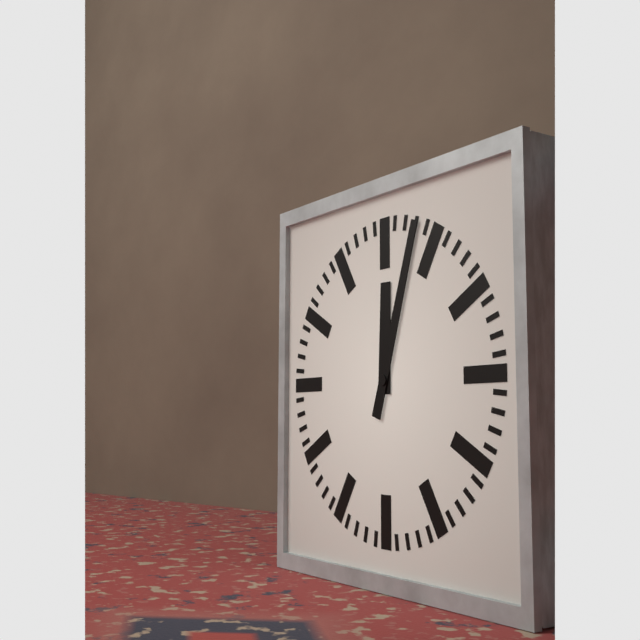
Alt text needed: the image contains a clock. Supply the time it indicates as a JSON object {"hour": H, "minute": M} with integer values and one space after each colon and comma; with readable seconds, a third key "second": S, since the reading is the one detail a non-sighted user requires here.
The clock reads {"hour": 12, "minute": 3}
